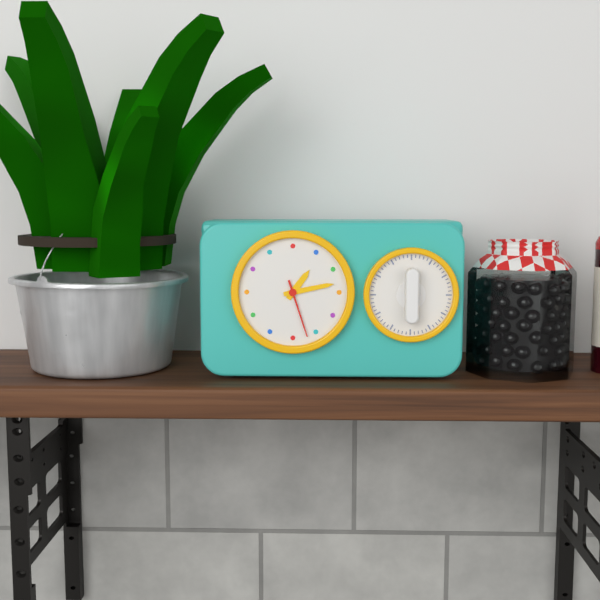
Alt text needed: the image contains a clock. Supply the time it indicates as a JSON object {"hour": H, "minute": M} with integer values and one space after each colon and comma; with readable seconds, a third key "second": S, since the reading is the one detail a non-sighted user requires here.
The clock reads {"hour": 1, "minute": 13, "second": 27}
